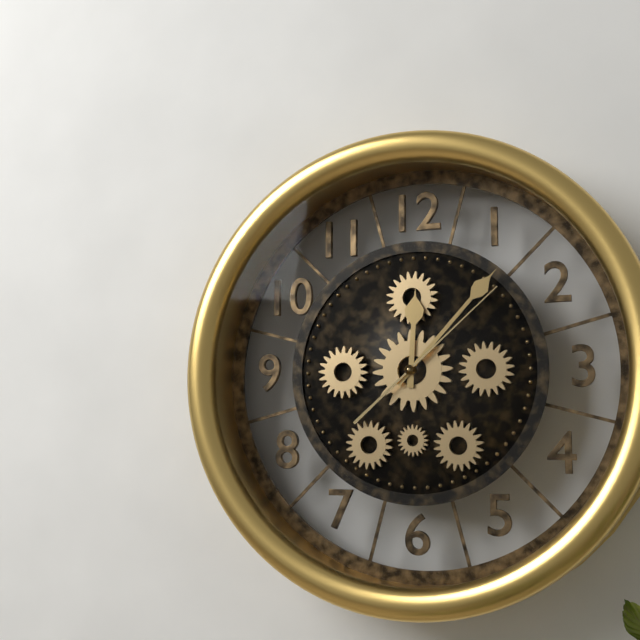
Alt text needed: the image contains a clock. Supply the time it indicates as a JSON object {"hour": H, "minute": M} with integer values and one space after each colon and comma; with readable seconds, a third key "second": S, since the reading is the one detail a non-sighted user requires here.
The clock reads {"hour": 12, "minute": 7, "second": 8}
